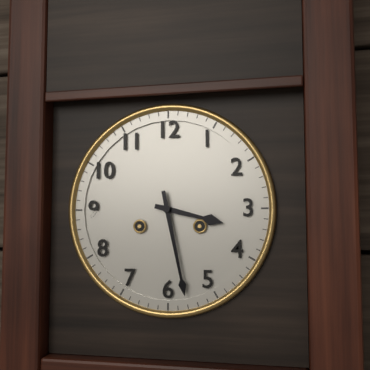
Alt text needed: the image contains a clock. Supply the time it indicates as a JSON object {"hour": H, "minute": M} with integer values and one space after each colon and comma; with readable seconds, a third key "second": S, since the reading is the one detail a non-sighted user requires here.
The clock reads {"hour": 3, "minute": 28}
